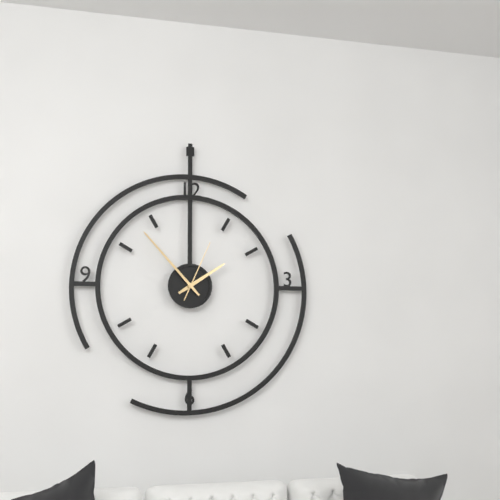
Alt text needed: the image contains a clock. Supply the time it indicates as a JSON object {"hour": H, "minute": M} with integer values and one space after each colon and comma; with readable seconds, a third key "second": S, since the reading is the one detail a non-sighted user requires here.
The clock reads {"hour": 1, "minute": 53, "second": 4}
